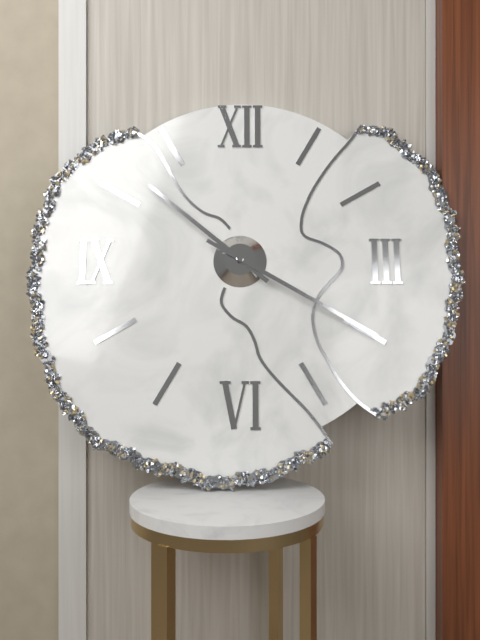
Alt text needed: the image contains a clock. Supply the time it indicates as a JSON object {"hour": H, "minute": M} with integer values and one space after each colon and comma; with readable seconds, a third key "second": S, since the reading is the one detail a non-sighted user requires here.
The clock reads {"hour": 10, "minute": 20}
